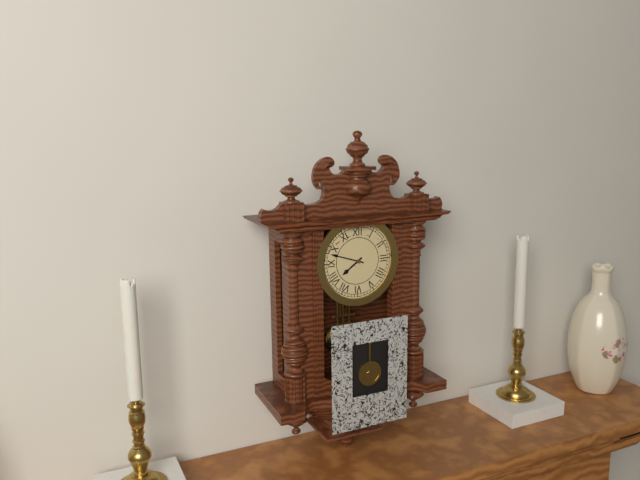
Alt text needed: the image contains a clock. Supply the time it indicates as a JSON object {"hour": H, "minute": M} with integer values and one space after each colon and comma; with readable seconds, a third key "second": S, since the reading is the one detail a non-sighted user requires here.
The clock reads {"hour": 7, "minute": 48}
